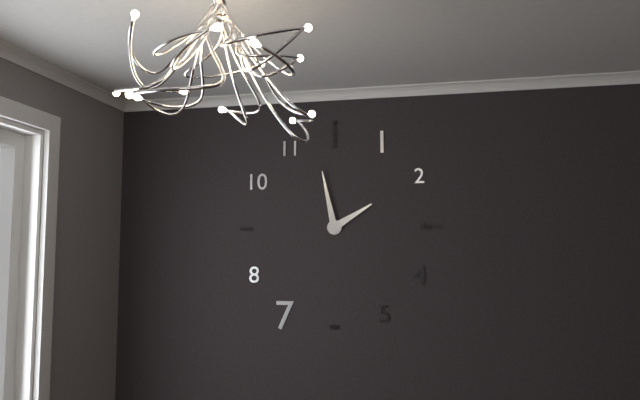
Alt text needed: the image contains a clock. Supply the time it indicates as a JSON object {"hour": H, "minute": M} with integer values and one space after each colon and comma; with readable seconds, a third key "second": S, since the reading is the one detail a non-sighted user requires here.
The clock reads {"hour": 1, "minute": 58}
